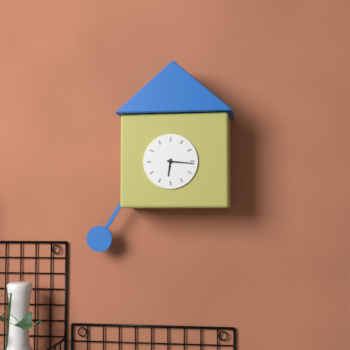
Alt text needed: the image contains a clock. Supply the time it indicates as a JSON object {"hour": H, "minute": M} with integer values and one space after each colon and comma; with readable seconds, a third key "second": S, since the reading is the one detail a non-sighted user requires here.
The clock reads {"hour": 6, "minute": 16}
